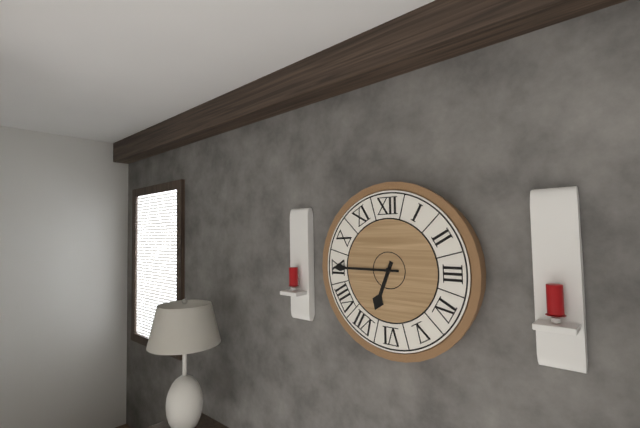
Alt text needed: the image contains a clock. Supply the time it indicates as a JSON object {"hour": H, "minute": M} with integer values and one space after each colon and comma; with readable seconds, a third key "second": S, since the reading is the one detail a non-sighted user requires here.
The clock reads {"hour": 6, "minute": 45}
